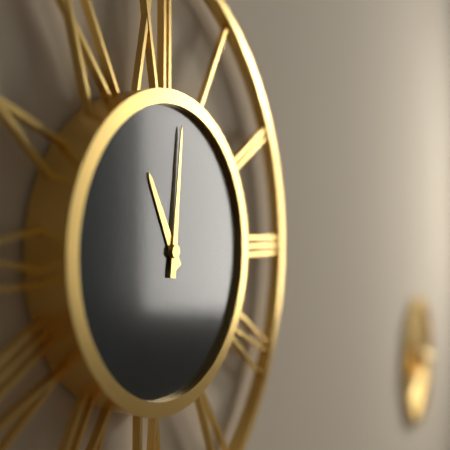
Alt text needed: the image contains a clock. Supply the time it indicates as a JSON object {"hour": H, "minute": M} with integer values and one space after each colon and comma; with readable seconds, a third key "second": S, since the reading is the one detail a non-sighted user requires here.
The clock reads {"hour": 11, "minute": 1}
